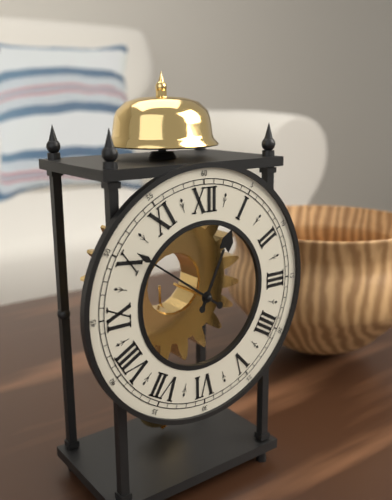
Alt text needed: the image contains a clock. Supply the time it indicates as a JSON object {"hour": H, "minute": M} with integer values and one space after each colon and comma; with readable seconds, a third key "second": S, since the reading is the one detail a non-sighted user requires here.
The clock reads {"hour": 12, "minute": 51}
